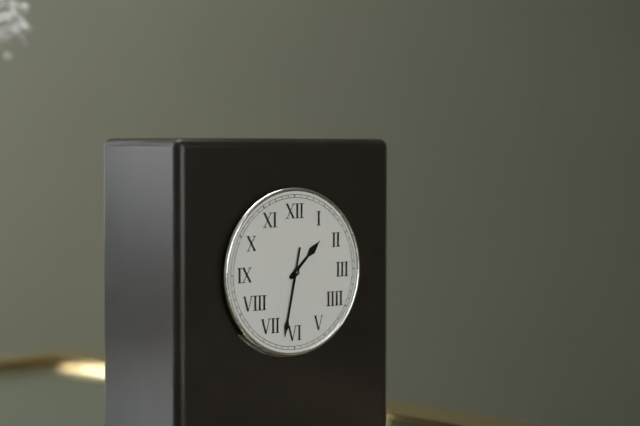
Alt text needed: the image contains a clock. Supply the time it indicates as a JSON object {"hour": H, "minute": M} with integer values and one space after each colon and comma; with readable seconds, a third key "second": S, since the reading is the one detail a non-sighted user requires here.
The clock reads {"hour": 1, "minute": 32}
